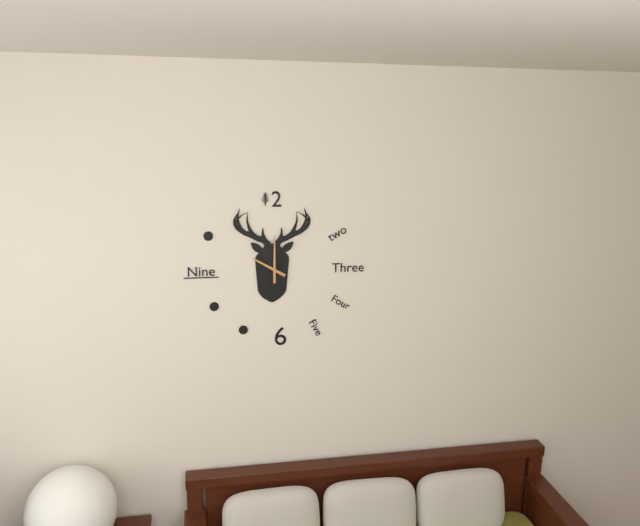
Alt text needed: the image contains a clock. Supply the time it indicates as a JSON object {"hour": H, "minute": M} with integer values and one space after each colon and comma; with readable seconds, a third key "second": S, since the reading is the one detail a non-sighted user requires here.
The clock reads {"hour": 10, "minute": 0}
